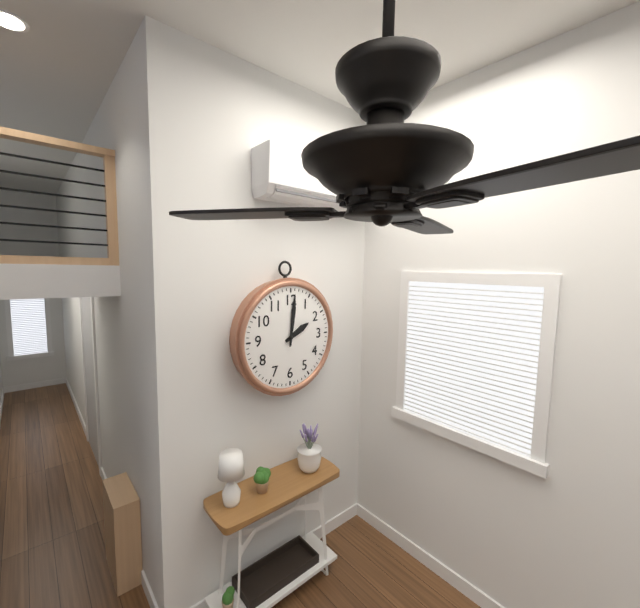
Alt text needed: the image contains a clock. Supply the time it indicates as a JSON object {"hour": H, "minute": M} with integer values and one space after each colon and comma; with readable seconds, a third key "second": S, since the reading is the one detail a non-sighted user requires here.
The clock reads {"hour": 2, "minute": 1}
